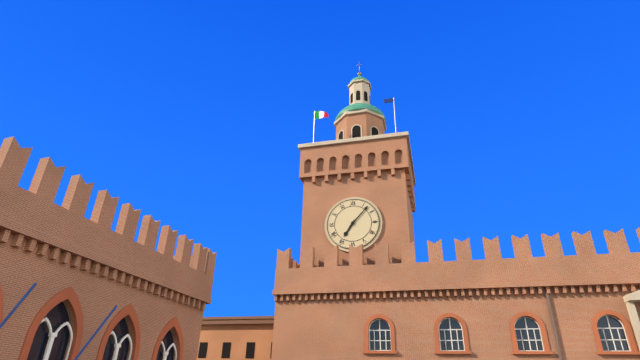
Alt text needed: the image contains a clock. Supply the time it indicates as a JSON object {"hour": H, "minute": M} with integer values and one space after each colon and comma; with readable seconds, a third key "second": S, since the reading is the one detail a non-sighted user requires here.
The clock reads {"hour": 7, "minute": 7}
